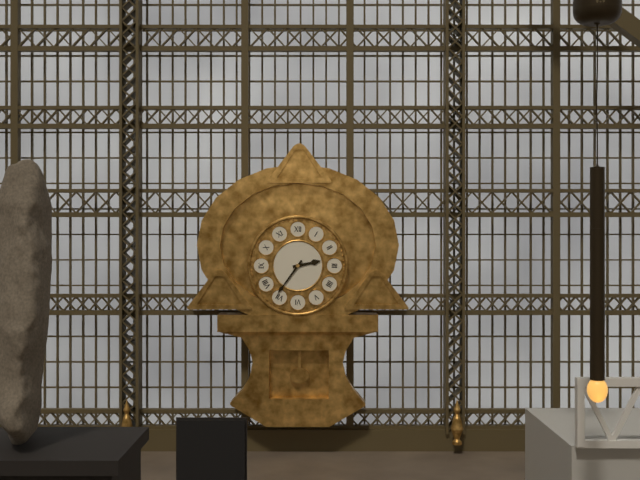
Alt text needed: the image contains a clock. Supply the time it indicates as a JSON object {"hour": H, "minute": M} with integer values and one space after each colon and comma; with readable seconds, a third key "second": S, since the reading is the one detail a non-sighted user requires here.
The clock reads {"hour": 2, "minute": 36}
